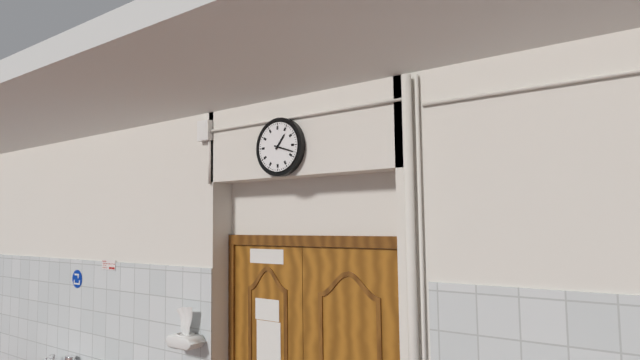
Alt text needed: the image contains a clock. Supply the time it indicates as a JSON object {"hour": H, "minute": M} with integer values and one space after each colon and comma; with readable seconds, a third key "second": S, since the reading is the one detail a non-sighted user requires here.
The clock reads {"hour": 1, "minute": 18}
